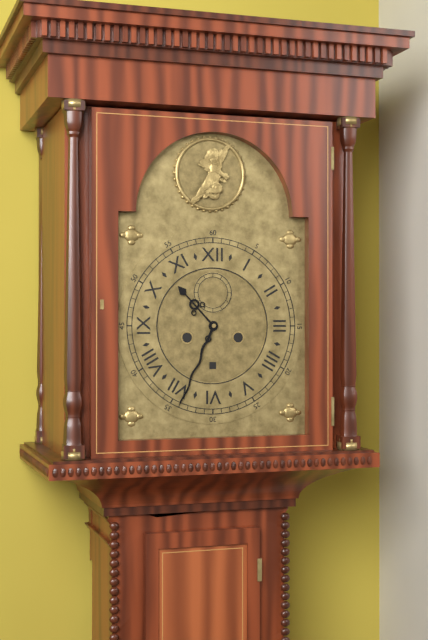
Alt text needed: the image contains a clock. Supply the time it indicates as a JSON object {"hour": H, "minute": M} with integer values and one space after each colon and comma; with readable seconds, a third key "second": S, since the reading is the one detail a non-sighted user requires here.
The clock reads {"hour": 10, "minute": 34}
